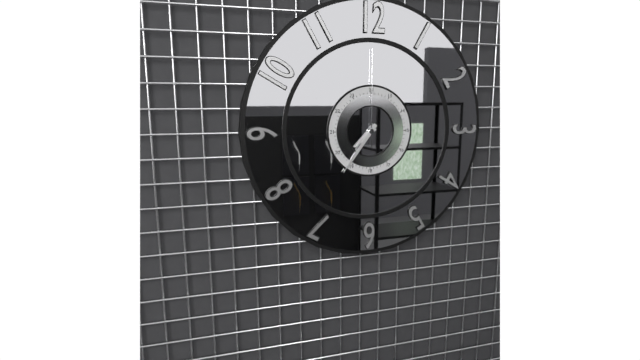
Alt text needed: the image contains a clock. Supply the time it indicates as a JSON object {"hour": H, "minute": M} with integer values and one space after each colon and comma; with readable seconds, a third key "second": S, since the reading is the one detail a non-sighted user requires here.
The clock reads {"hour": 7, "minute": 36, "second": 0}
